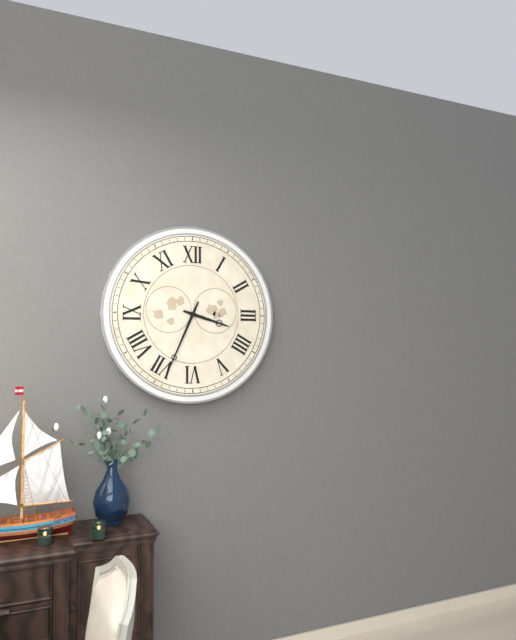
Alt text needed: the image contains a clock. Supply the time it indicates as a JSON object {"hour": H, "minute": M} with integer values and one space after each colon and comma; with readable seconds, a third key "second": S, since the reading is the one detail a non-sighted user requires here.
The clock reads {"hour": 3, "minute": 34}
